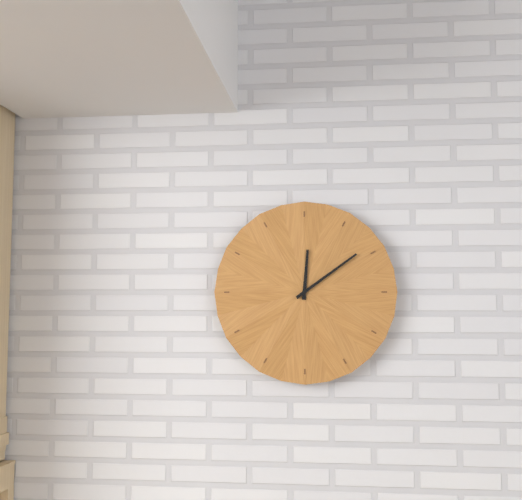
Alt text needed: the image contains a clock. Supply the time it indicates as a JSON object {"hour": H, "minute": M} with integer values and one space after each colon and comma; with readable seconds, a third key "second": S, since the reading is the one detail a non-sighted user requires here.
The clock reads {"hour": 12, "minute": 9}
